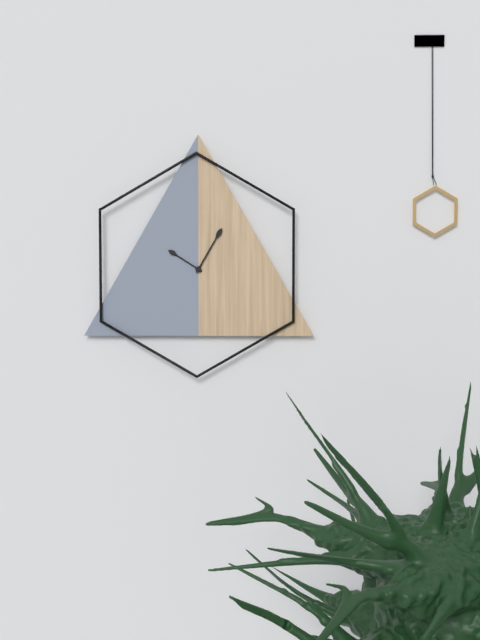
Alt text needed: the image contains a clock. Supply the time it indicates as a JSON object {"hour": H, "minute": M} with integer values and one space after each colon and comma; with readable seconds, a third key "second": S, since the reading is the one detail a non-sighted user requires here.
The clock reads {"hour": 10, "minute": 5}
